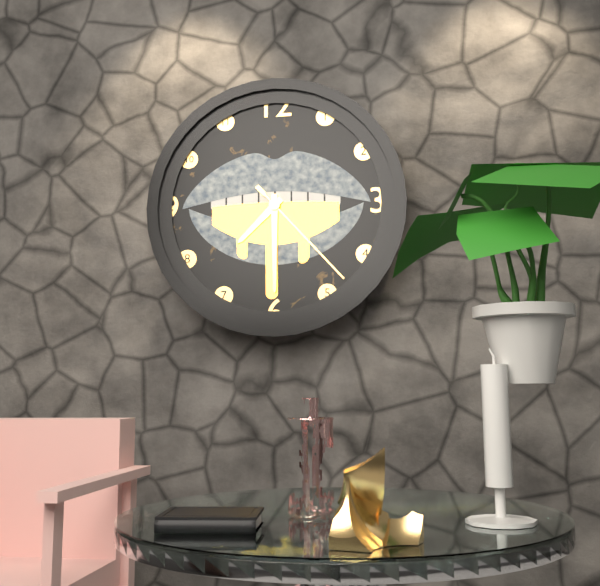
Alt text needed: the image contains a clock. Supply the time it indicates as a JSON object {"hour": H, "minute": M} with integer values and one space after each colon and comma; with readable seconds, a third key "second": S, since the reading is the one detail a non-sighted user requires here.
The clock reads {"hour": 7, "minute": 30, "second": 23}
